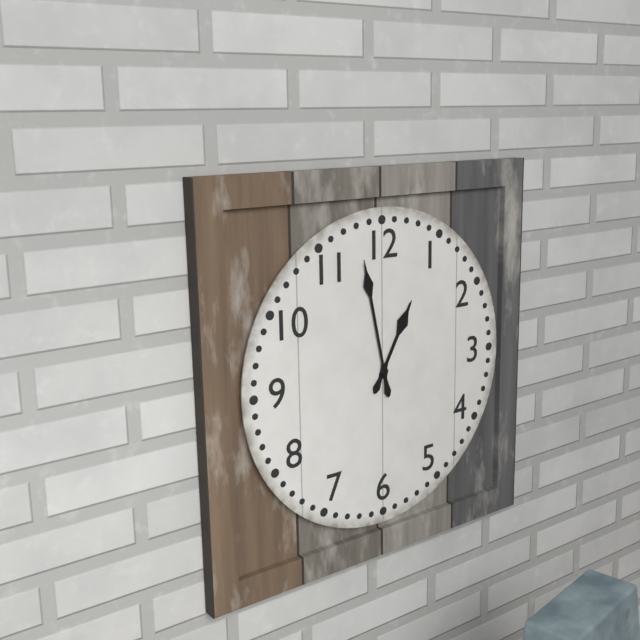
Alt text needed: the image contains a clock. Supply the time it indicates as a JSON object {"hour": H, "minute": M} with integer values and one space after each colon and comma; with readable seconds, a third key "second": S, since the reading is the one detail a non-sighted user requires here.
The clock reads {"hour": 12, "minute": 58}
